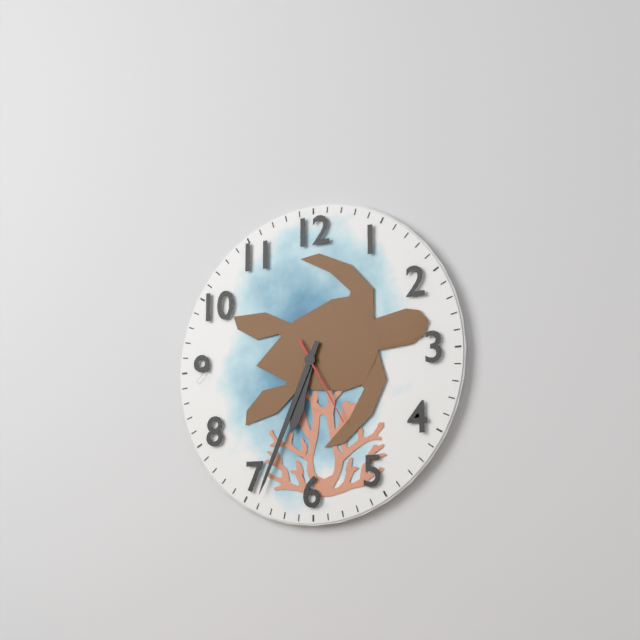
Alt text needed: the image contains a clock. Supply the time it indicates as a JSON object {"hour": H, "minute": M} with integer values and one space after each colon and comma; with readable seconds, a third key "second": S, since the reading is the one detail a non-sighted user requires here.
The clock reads {"hour": 6, "minute": 34, "second": 25}
